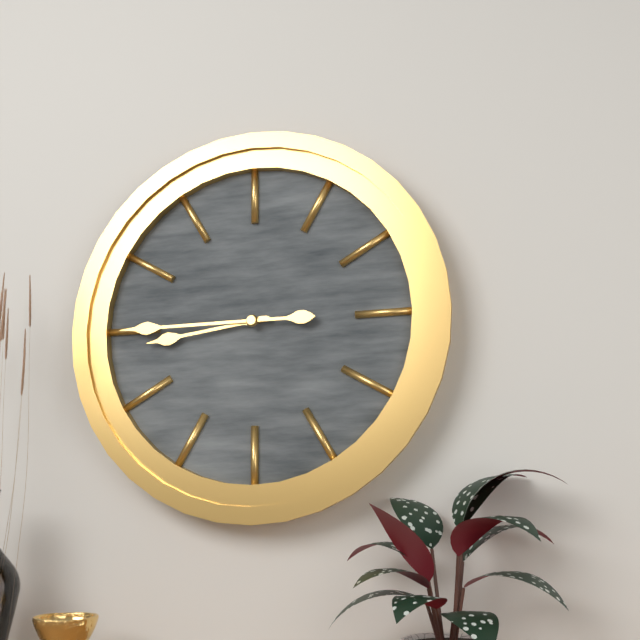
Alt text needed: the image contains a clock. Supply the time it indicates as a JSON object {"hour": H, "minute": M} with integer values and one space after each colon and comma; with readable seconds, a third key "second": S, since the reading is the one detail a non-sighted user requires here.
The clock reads {"hour": 8, "minute": 45}
